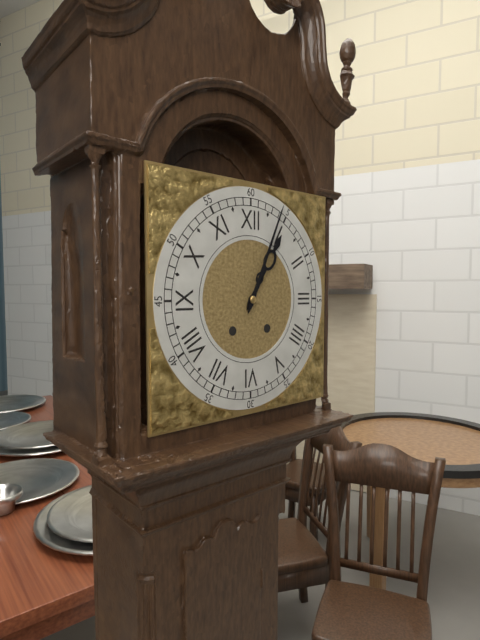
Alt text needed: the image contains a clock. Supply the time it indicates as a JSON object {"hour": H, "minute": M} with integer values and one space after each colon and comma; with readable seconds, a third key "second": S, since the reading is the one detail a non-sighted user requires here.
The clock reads {"hour": 1, "minute": 4}
